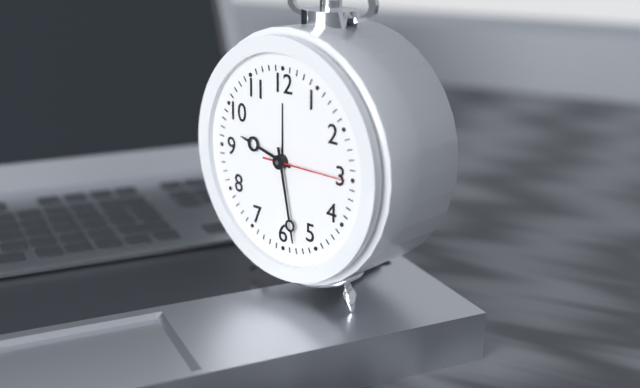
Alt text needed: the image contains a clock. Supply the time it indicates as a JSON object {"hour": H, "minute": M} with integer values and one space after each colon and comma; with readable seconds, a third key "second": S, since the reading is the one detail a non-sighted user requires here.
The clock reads {"hour": 9, "minute": 28, "second": 15}
